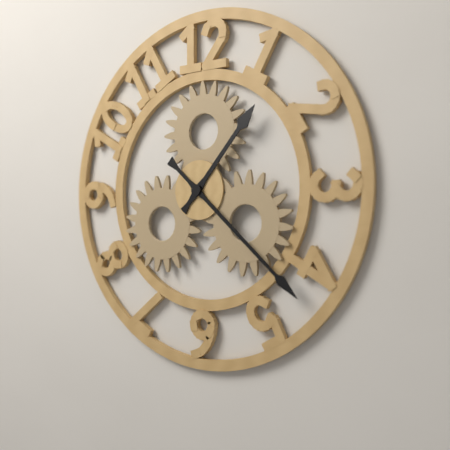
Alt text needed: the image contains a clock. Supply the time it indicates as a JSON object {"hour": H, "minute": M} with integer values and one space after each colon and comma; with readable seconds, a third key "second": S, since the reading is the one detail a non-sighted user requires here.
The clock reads {"hour": 1, "minute": 22}
